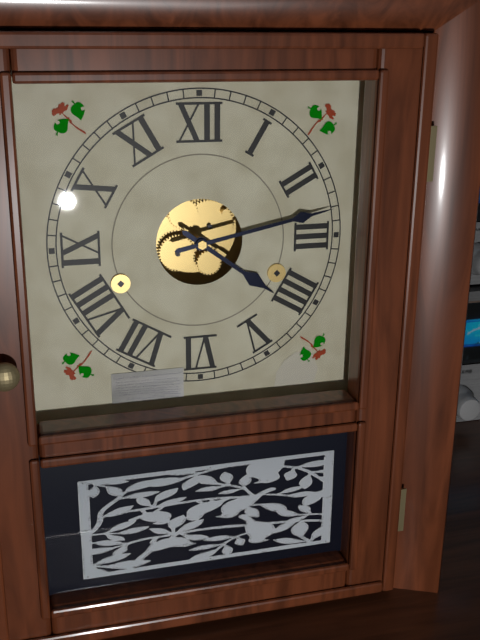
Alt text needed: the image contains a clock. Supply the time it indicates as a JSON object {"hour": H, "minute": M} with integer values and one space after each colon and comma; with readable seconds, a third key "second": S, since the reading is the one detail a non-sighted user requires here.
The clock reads {"hour": 4, "minute": 13}
